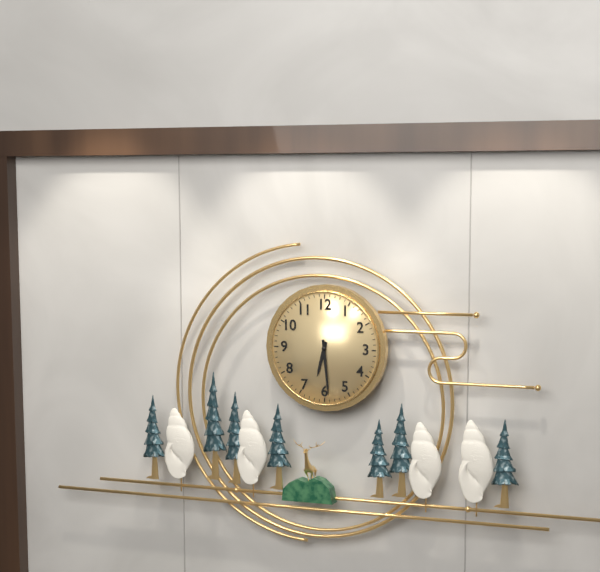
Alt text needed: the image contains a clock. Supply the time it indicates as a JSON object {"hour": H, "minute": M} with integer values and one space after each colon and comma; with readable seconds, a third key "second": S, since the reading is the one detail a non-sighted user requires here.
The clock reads {"hour": 6, "minute": 29}
